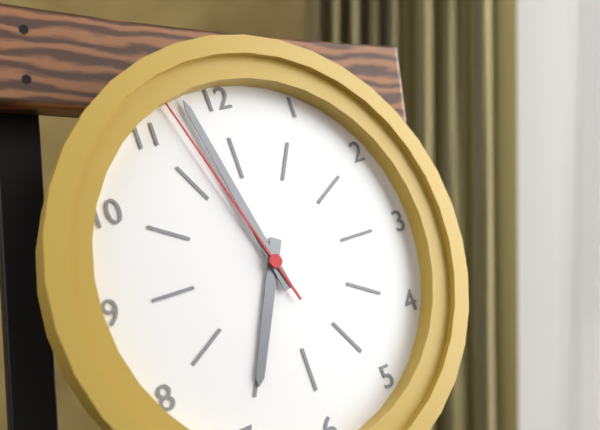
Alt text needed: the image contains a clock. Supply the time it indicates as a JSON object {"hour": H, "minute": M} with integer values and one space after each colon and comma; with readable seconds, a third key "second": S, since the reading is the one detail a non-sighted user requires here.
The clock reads {"hour": 6, "minute": 58, "second": 57}
